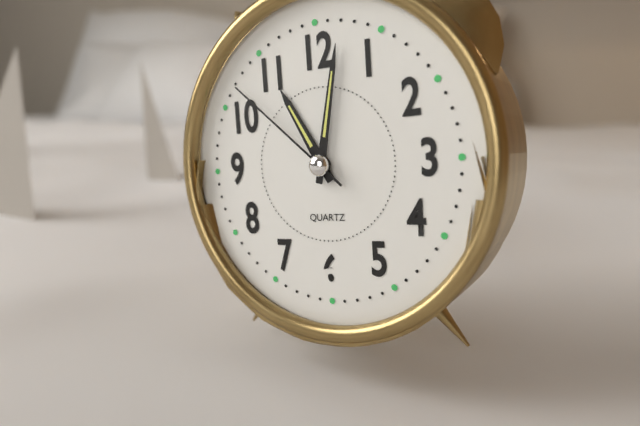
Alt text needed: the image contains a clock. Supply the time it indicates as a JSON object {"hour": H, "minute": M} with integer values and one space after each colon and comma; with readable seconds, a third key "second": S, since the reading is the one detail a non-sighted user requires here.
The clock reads {"hour": 11, "minute": 2, "second": 52}
